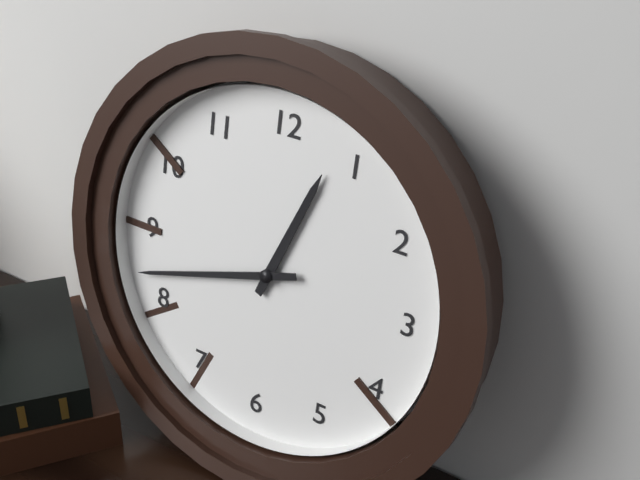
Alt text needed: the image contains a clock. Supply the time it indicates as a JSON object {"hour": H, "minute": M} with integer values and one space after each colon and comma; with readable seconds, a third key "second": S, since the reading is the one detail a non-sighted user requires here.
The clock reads {"hour": 12, "minute": 42}
